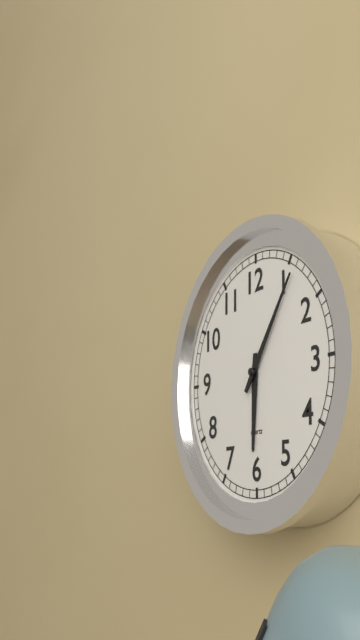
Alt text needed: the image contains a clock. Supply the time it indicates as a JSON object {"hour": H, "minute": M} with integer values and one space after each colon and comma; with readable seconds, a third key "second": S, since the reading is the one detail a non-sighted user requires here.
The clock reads {"hour": 6, "minute": 6}
